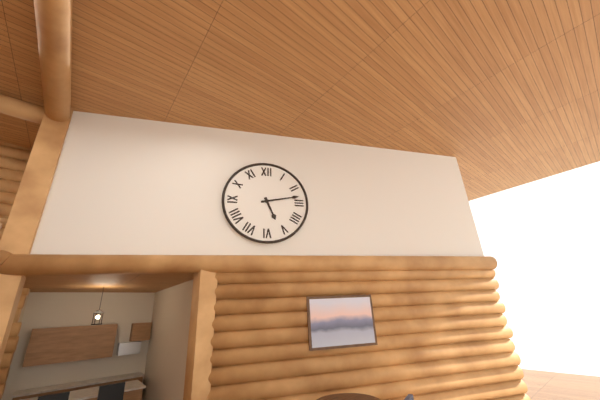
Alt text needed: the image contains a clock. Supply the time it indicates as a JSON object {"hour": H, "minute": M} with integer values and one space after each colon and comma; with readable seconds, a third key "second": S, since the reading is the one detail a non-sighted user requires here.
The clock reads {"hour": 5, "minute": 13}
